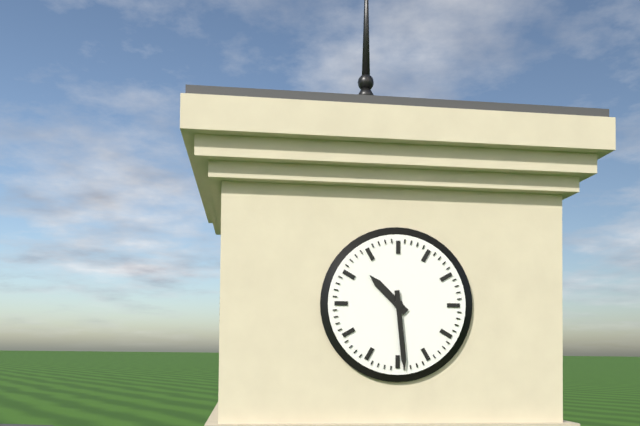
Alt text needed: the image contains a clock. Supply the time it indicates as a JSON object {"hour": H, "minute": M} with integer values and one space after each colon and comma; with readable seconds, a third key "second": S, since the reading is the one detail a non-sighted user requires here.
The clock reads {"hour": 10, "minute": 29}
